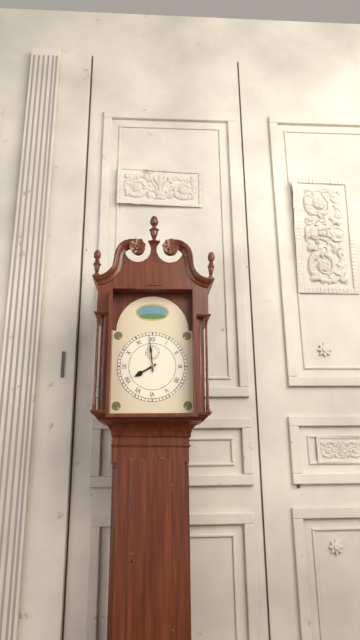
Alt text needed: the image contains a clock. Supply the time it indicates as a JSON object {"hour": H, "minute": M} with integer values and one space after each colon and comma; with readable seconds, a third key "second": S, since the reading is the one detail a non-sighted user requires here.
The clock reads {"hour": 7, "minute": 59}
